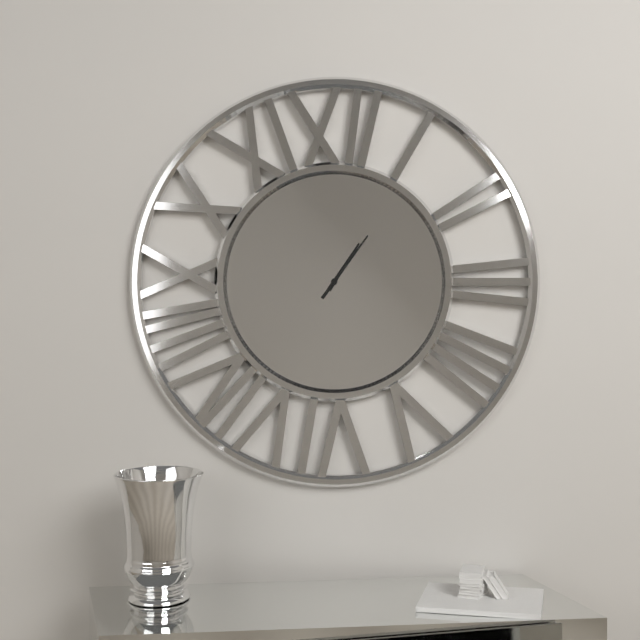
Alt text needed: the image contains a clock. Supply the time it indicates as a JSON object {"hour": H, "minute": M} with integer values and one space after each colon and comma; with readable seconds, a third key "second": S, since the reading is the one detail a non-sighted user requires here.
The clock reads {"hour": 1, "minute": 6}
